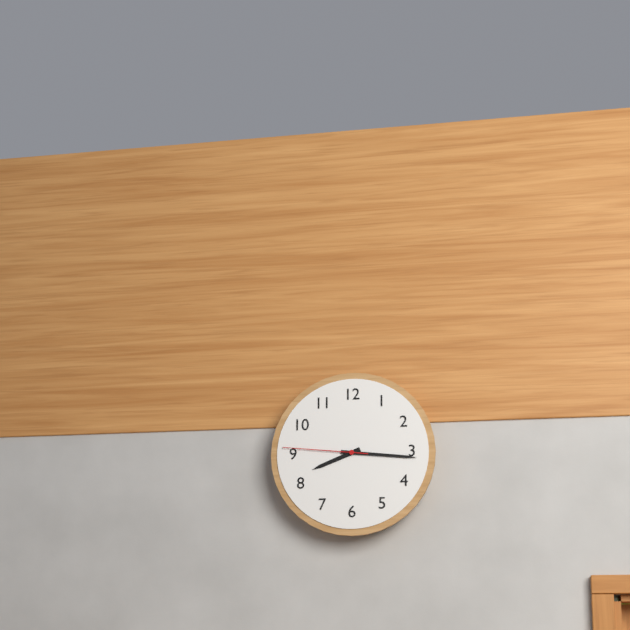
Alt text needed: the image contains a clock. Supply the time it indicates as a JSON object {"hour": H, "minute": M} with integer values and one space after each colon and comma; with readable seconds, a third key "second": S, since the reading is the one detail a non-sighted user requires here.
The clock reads {"hour": 8, "minute": 16, "second": 46}
